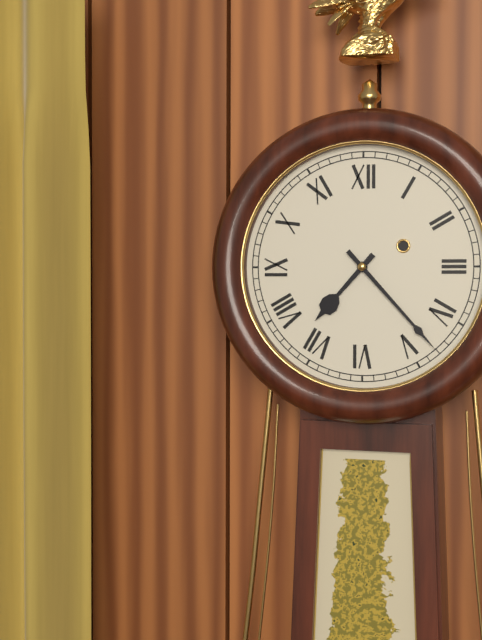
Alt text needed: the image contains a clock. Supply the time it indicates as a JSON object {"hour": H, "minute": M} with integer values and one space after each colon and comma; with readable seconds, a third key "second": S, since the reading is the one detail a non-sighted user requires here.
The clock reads {"hour": 7, "minute": 23}
